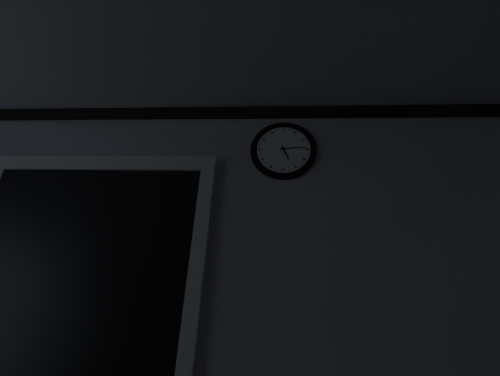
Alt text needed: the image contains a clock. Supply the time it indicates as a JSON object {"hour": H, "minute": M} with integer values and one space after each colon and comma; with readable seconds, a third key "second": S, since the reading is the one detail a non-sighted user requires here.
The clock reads {"hour": 5, "minute": 14}
